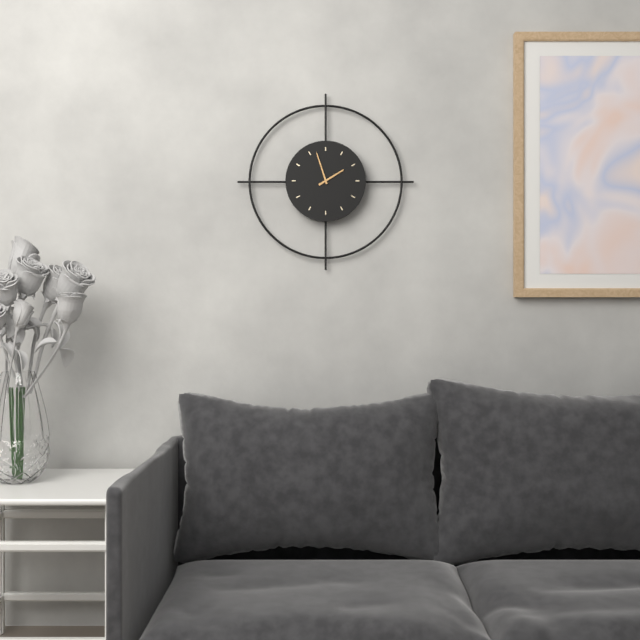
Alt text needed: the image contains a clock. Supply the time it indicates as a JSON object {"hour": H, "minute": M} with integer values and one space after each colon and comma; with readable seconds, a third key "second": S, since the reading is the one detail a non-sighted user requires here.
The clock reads {"hour": 1, "minute": 57}
